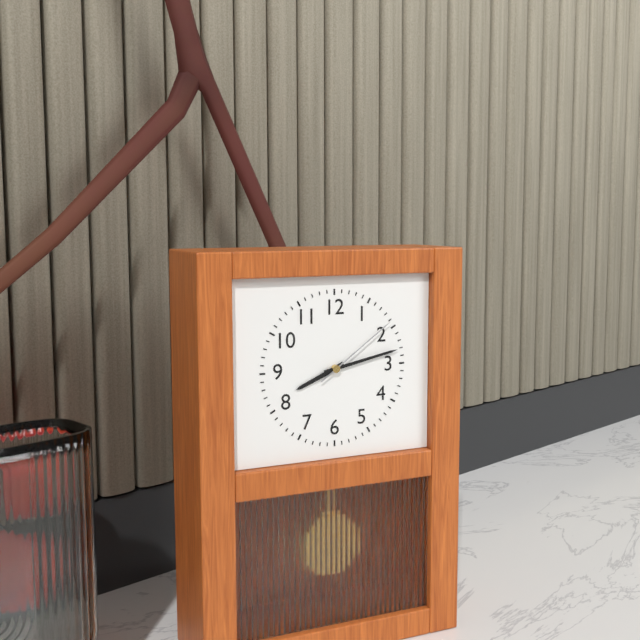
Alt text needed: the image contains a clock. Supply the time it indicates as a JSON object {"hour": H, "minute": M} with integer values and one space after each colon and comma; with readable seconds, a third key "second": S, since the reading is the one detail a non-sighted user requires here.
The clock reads {"hour": 8, "minute": 13, "second": 9}
